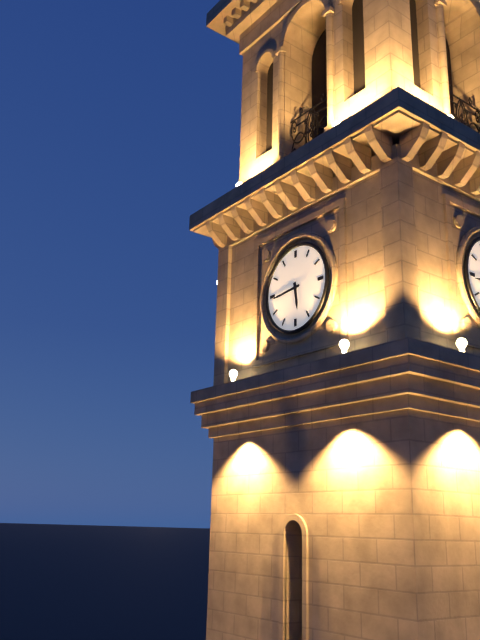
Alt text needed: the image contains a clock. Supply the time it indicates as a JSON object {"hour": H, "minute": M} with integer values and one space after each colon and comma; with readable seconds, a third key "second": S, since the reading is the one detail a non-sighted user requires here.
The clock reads {"hour": 5, "minute": 44}
